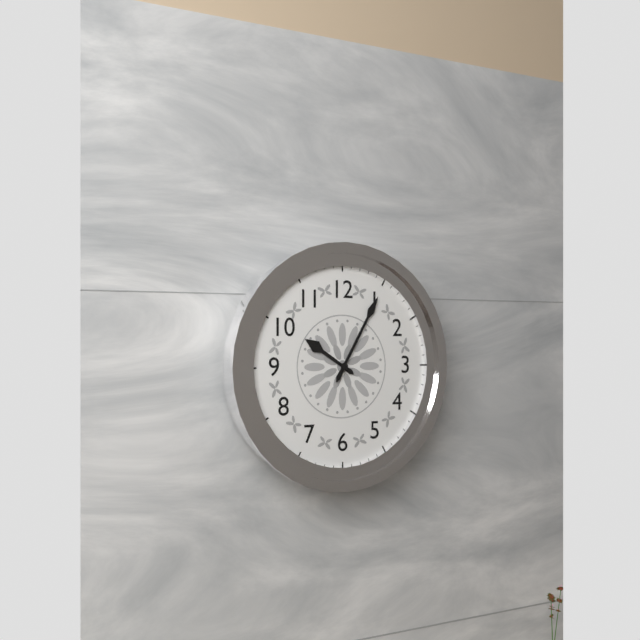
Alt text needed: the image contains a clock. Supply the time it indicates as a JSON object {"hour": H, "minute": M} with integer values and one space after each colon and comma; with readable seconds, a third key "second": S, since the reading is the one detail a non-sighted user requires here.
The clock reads {"hour": 10, "minute": 5}
